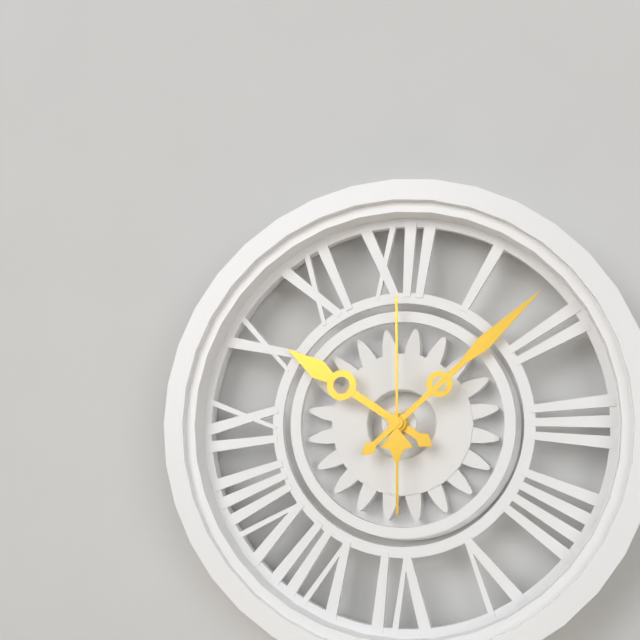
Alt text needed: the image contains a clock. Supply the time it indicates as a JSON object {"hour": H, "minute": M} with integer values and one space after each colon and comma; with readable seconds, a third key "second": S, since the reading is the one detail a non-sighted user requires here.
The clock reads {"hour": 10, "minute": 8, "second": 0}
